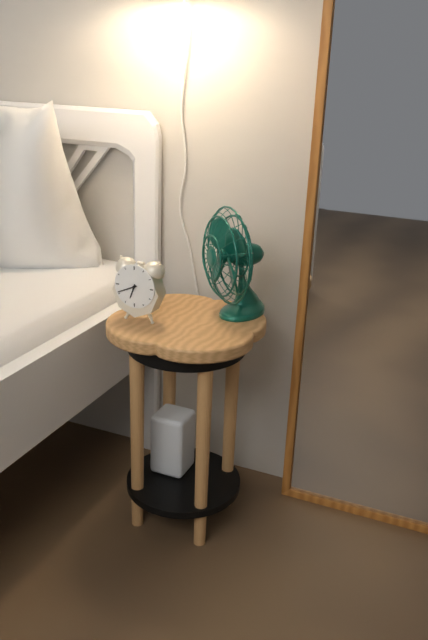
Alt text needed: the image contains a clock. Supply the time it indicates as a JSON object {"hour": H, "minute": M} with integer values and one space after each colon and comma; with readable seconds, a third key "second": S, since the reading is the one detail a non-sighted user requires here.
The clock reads {"hour": 6, "minute": 41}
